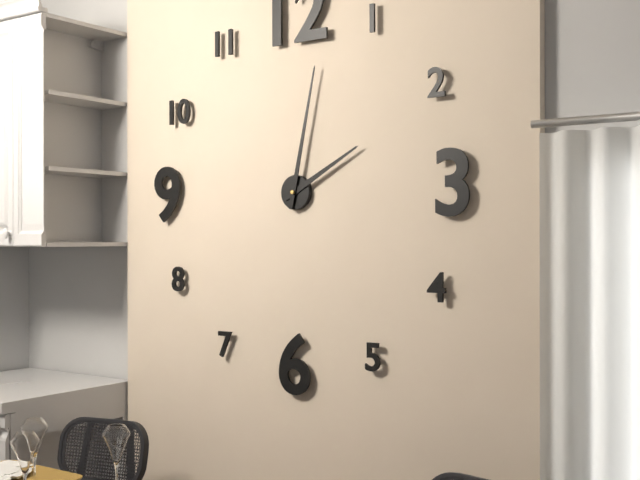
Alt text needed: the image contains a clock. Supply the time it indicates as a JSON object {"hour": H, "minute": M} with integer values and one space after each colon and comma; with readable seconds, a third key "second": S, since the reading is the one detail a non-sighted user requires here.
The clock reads {"hour": 2, "minute": 2}
